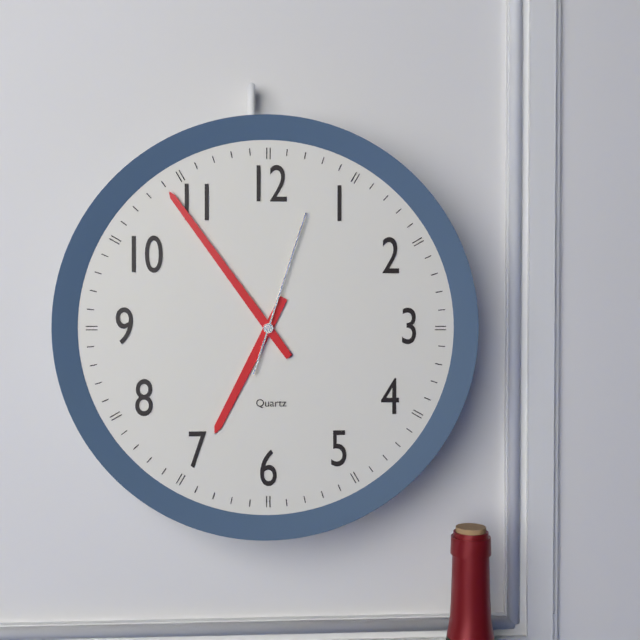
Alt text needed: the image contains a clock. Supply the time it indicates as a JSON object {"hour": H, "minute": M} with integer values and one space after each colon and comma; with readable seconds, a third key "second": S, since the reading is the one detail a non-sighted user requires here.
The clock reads {"hour": 6, "minute": 54, "second": 3}
